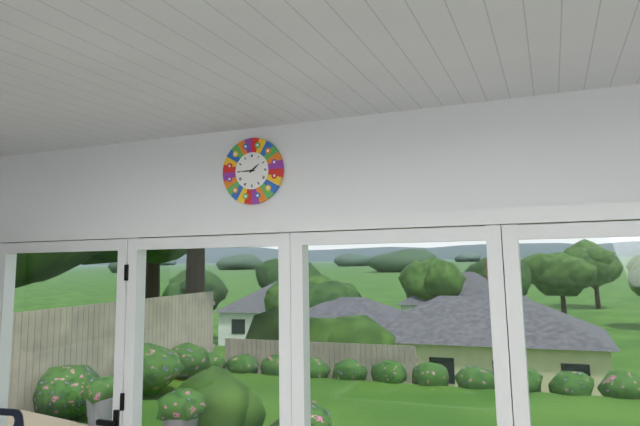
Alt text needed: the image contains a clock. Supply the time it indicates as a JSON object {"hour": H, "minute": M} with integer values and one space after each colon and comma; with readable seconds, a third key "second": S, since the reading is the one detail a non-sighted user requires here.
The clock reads {"hour": 1, "minute": 45}
